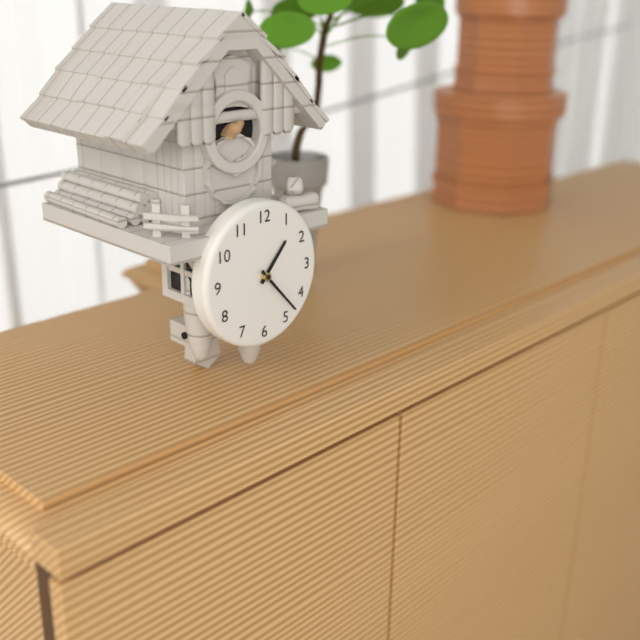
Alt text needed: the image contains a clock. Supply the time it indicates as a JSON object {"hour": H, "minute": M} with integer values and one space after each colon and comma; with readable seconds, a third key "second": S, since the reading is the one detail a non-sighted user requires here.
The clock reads {"hour": 1, "minute": 23}
